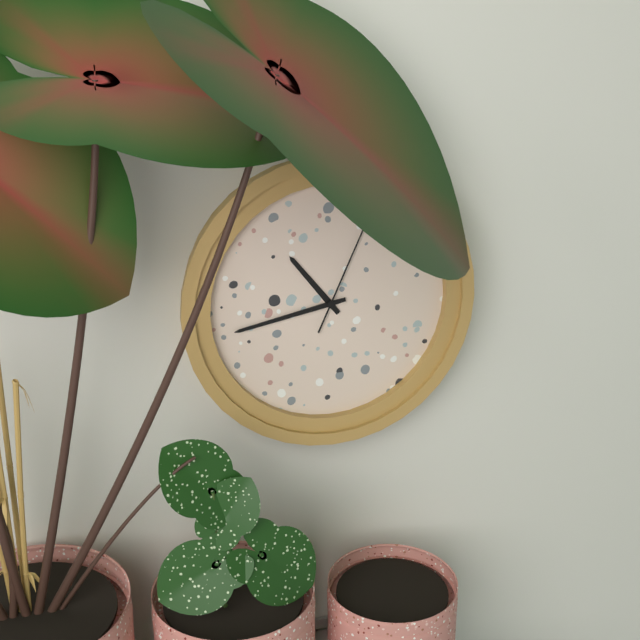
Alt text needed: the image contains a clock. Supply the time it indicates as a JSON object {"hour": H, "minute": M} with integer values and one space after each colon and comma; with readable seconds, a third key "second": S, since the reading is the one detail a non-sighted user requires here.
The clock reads {"hour": 10, "minute": 43, "second": 4}
